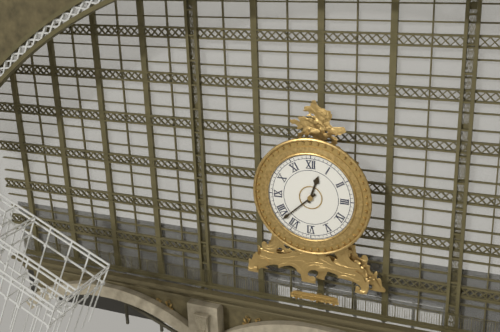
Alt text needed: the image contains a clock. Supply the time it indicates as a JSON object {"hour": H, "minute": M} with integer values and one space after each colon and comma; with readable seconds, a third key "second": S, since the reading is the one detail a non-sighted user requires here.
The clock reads {"hour": 12, "minute": 38}
